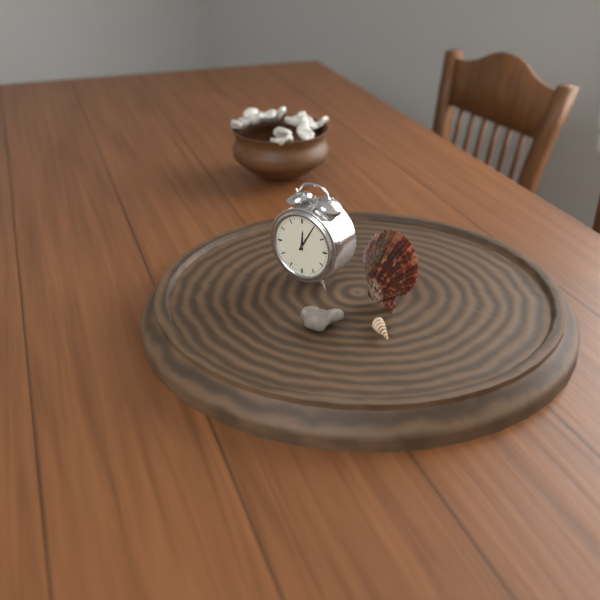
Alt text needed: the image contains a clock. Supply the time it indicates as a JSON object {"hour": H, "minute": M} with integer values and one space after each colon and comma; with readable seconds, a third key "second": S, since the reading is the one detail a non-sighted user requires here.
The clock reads {"hour": 12, "minute": 5}
